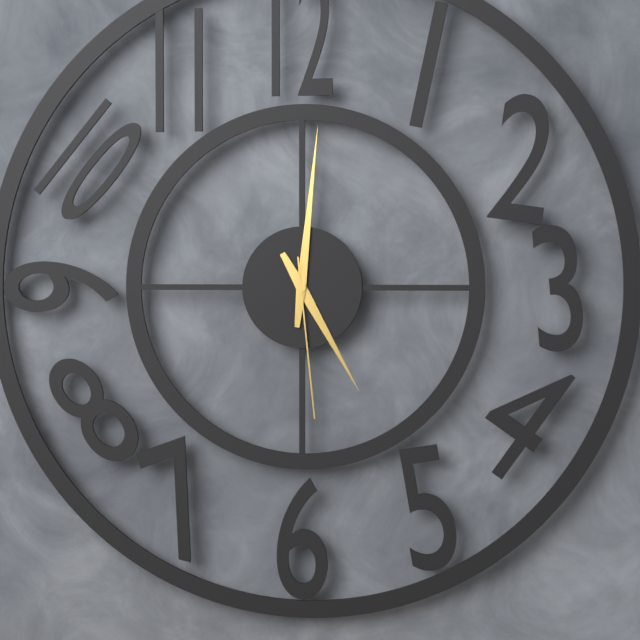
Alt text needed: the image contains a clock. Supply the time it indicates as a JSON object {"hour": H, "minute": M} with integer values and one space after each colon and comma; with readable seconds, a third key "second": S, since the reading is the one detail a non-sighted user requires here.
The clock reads {"hour": 5, "minute": 1, "second": 29}
